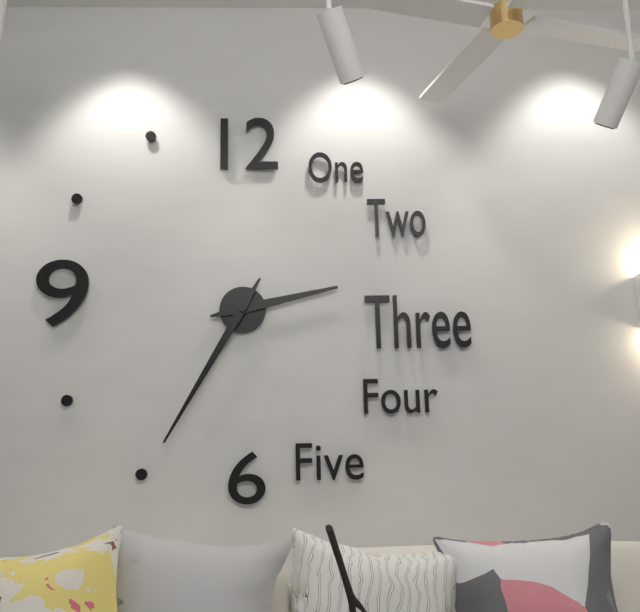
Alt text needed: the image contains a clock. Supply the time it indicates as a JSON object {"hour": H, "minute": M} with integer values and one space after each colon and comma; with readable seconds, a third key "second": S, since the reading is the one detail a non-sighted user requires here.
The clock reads {"hour": 2, "minute": 35}
